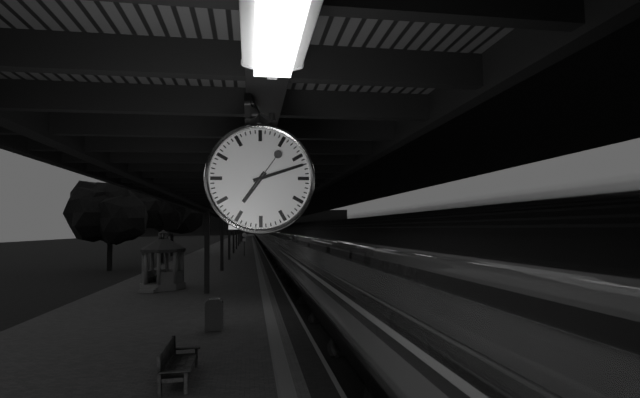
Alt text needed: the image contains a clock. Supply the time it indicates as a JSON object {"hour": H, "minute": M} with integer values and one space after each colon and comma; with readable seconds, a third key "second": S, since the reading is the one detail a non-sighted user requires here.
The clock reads {"hour": 7, "minute": 12}
